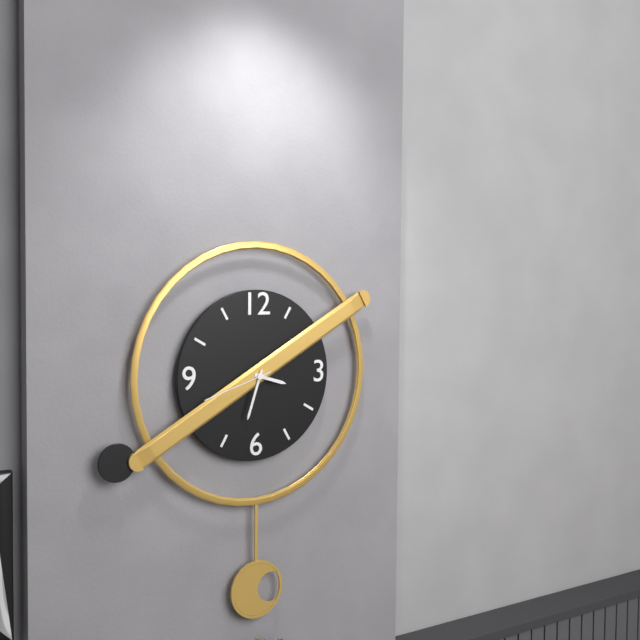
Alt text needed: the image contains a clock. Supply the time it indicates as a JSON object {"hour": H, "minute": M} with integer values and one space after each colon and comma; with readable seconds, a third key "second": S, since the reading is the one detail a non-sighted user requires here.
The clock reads {"hour": 3, "minute": 33, "second": 42}
